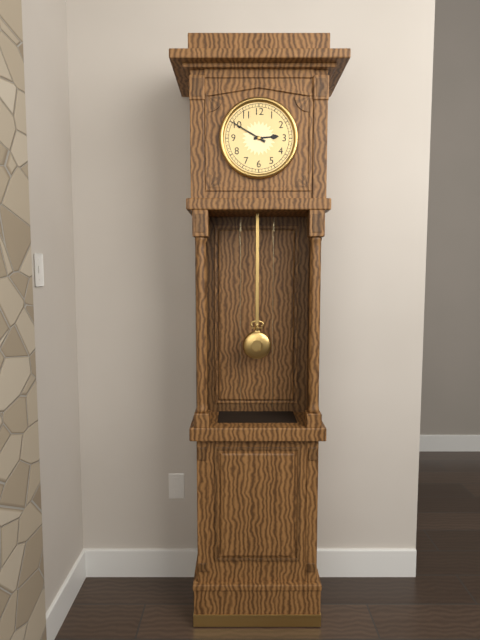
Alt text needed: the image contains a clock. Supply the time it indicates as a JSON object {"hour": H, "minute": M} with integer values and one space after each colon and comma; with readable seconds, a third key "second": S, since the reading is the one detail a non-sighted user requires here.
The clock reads {"hour": 2, "minute": 50}
